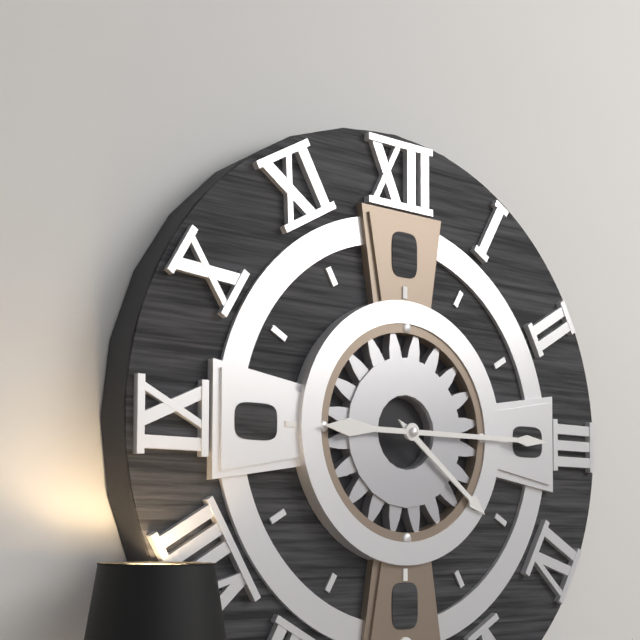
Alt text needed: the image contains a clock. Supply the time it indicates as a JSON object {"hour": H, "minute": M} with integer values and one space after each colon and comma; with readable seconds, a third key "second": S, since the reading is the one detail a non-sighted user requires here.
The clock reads {"hour": 4, "minute": 15}
